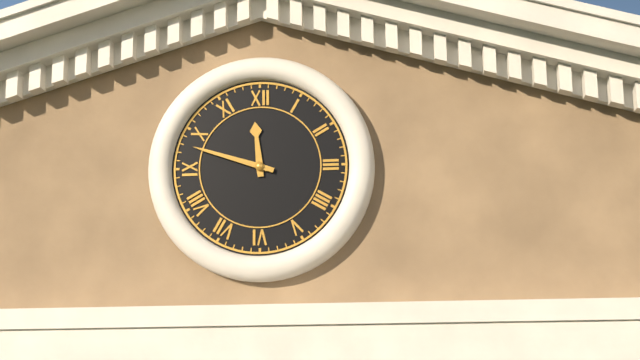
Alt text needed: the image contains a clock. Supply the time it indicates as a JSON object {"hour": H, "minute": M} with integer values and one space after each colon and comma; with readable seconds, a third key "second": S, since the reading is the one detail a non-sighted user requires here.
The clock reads {"hour": 11, "minute": 48}
